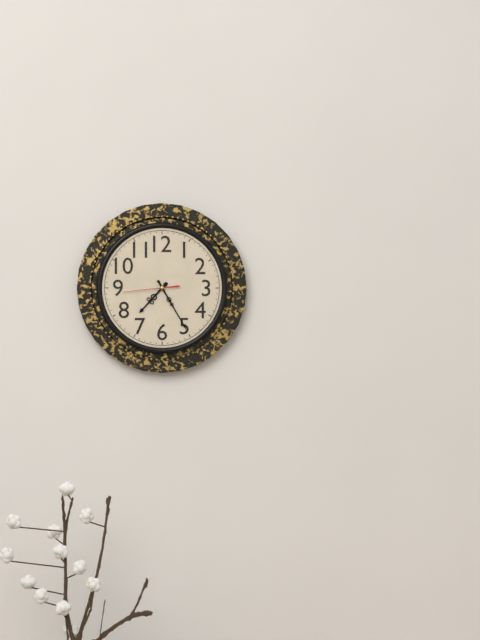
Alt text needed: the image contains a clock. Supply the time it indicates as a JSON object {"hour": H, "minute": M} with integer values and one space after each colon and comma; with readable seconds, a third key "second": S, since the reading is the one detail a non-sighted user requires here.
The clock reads {"hour": 7, "minute": 25, "second": 44}
